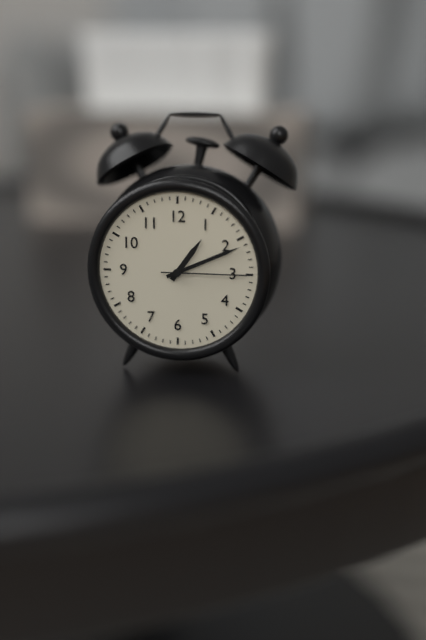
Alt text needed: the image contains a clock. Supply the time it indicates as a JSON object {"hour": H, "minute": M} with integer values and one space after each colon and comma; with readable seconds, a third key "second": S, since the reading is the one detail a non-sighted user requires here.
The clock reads {"hour": 1, "minute": 11, "second": 15}
